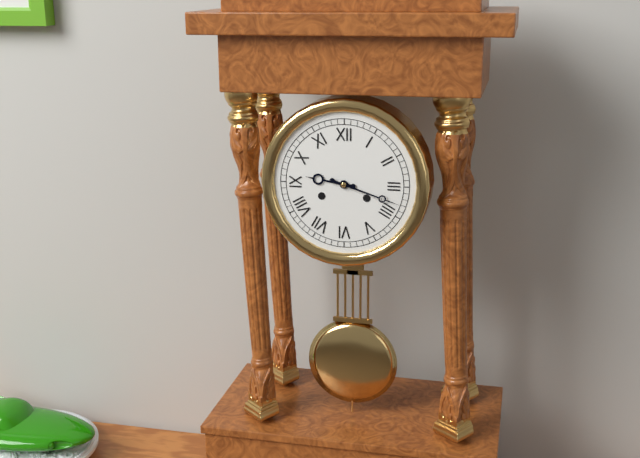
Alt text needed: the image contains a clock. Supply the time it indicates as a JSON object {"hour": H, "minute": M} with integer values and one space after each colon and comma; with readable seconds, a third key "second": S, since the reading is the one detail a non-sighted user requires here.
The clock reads {"hour": 9, "minute": 18}
